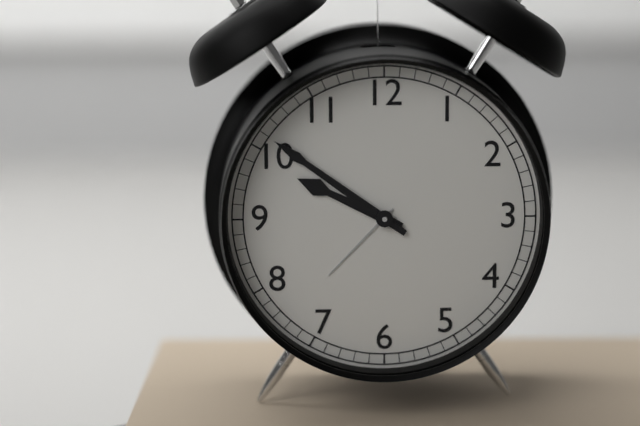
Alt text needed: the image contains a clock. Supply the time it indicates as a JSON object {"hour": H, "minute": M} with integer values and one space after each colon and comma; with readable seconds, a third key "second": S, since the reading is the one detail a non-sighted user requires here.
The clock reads {"hour": 9, "minute": 51}
